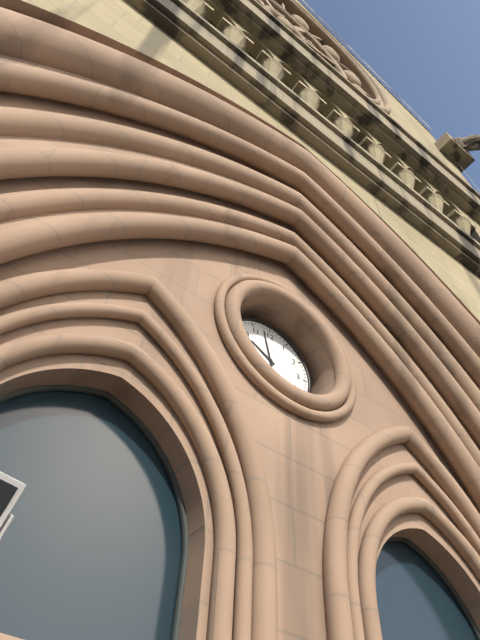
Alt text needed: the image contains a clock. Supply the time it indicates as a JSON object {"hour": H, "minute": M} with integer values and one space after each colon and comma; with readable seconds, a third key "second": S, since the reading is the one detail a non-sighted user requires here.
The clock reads {"hour": 9, "minute": 58}
